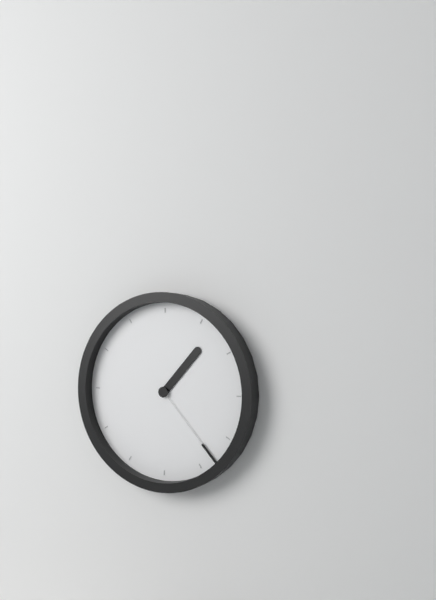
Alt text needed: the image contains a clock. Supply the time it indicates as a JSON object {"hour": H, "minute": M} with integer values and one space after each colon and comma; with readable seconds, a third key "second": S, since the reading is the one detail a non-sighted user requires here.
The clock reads {"hour": 1, "minute": 23}
